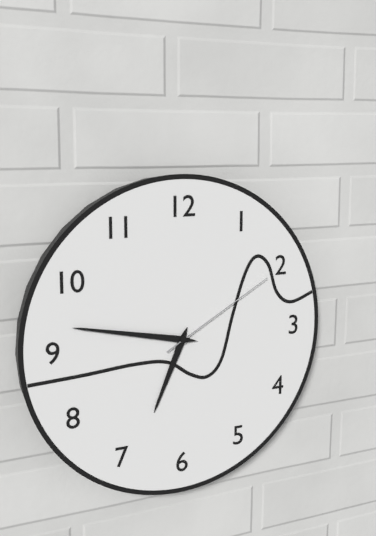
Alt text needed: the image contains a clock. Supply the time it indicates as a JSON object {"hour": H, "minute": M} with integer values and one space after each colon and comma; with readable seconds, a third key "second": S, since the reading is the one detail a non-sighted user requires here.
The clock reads {"hour": 6, "minute": 47, "second": 10}
